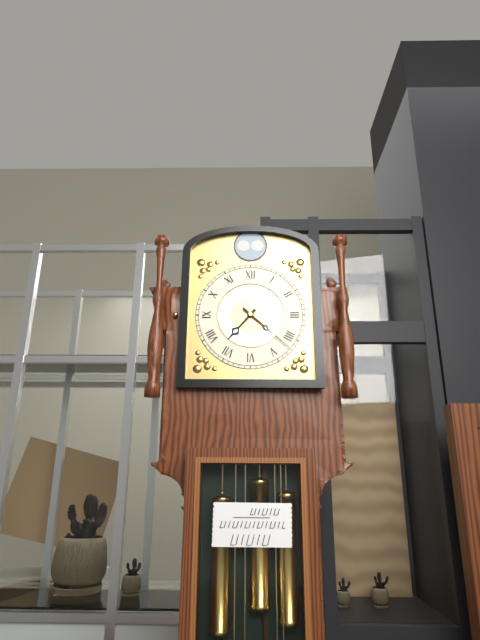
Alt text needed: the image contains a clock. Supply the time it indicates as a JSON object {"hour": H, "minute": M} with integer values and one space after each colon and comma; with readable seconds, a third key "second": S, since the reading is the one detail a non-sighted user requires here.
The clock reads {"hour": 7, "minute": 22}
